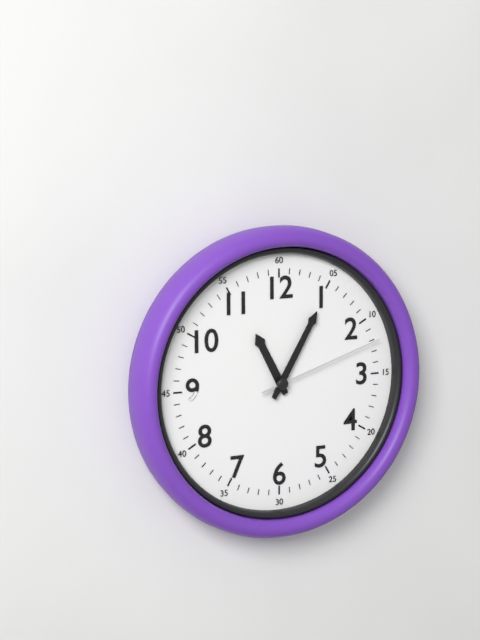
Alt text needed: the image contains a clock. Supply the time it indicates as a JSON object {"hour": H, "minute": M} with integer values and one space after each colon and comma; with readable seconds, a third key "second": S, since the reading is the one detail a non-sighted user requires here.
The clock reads {"hour": 11, "minute": 5, "second": 12}
